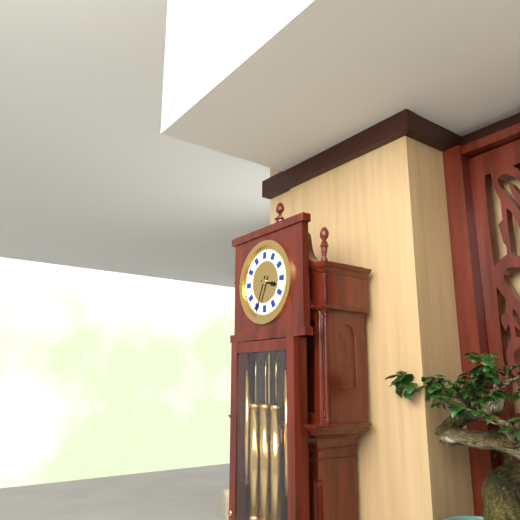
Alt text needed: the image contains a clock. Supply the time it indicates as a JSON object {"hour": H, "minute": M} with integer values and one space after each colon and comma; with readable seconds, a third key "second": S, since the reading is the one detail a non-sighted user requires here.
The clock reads {"hour": 3, "minute": 34}
